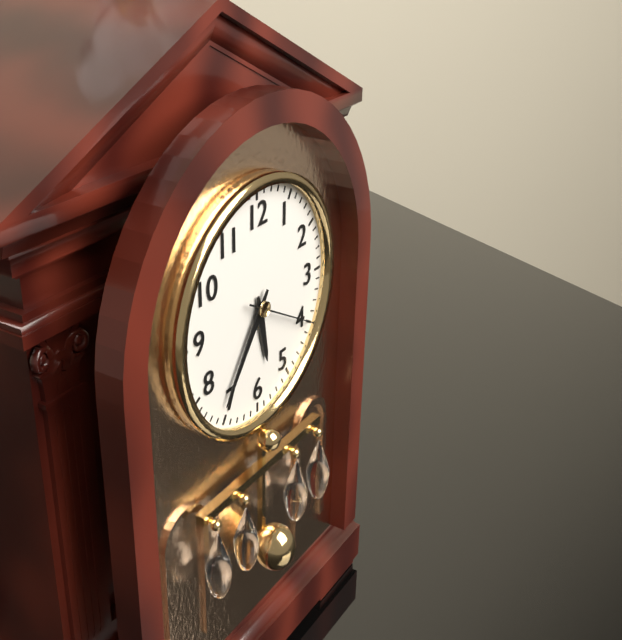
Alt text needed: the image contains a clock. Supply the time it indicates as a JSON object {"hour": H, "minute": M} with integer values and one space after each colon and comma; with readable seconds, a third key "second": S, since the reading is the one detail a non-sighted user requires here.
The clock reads {"hour": 5, "minute": 36, "second": 20}
